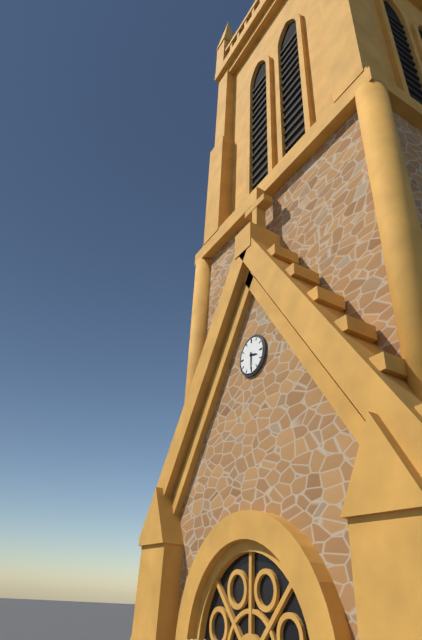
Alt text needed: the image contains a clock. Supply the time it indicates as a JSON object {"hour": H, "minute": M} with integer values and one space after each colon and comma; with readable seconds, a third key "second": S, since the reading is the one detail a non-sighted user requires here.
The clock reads {"hour": 3, "minute": 30}
